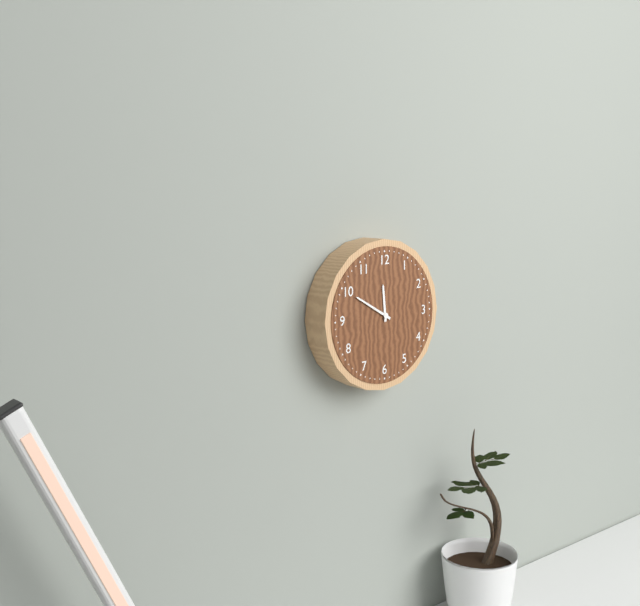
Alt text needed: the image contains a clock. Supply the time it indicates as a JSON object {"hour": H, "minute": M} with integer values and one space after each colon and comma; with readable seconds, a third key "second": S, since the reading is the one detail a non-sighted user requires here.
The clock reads {"hour": 11, "minute": 50}
